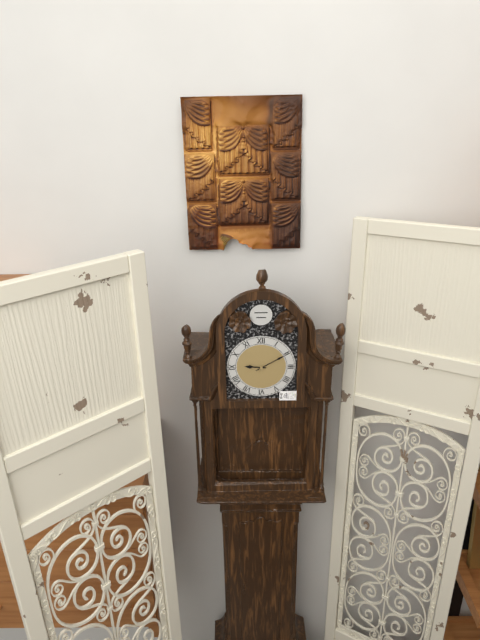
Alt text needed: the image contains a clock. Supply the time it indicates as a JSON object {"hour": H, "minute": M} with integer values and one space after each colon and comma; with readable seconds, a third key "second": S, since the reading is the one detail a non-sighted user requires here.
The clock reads {"hour": 9, "minute": 10}
